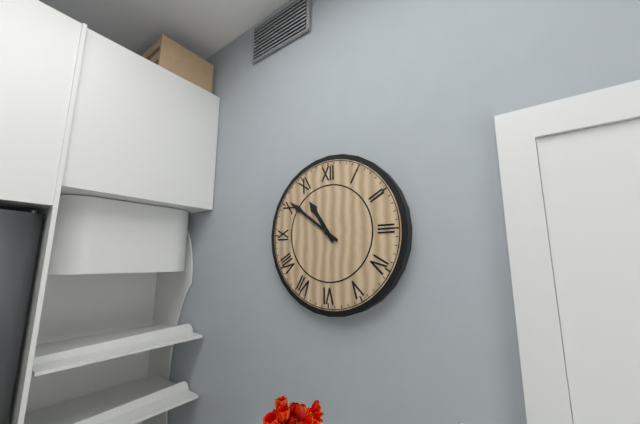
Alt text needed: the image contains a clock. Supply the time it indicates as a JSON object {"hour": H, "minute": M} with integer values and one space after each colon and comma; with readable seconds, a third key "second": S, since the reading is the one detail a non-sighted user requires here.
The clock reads {"hour": 10, "minute": 51}
